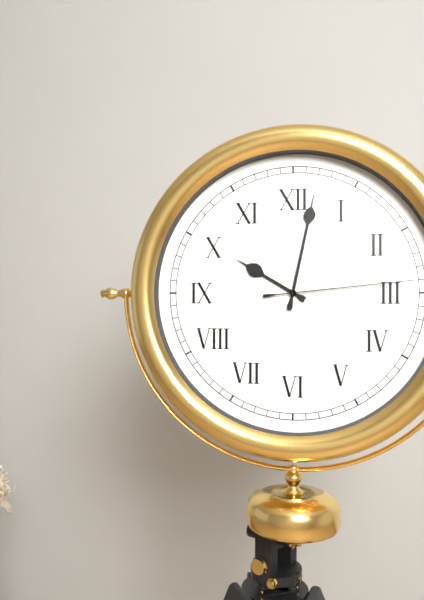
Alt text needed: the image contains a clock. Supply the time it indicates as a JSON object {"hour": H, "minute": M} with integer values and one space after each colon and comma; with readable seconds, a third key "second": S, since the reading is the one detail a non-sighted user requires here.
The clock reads {"hour": 10, "minute": 2, "second": 14}
